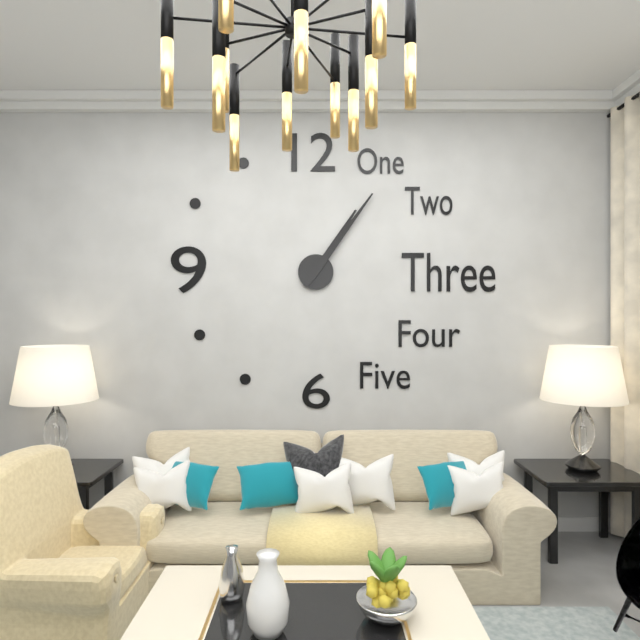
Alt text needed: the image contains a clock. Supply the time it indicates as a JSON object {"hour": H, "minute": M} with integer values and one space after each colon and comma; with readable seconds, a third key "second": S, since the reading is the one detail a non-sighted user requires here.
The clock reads {"hour": 1, "minute": 6}
